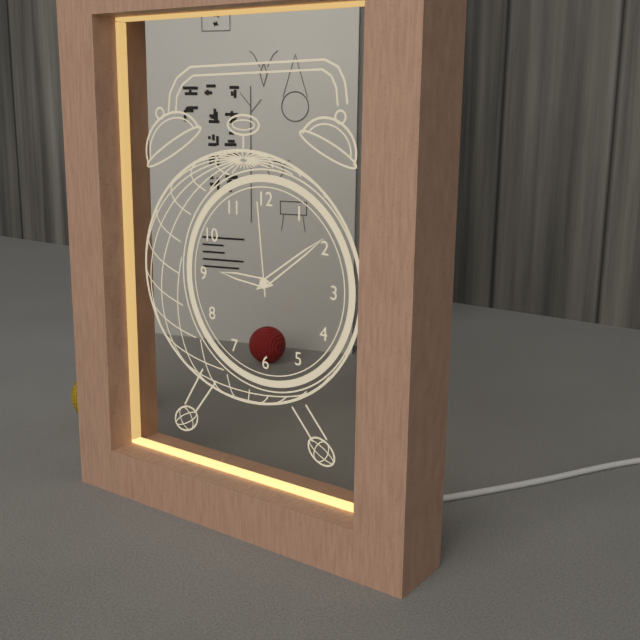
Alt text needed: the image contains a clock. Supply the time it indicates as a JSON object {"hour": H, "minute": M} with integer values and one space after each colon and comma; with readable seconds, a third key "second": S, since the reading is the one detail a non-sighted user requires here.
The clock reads {"hour": 9, "minute": 9, "second": 59}
